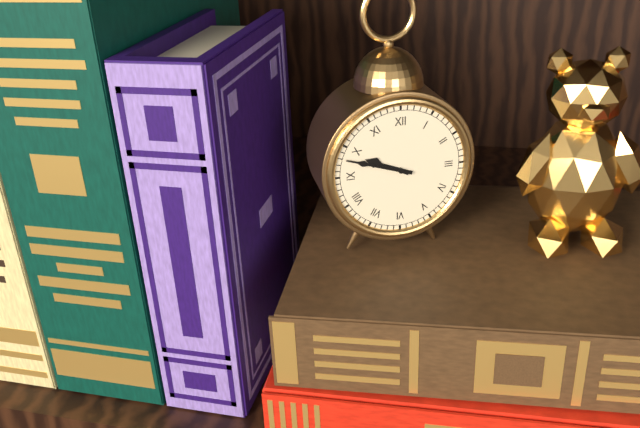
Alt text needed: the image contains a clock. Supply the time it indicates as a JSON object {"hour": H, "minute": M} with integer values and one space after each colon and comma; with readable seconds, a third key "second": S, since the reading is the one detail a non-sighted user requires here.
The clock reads {"hour": 9, "minute": 48}
